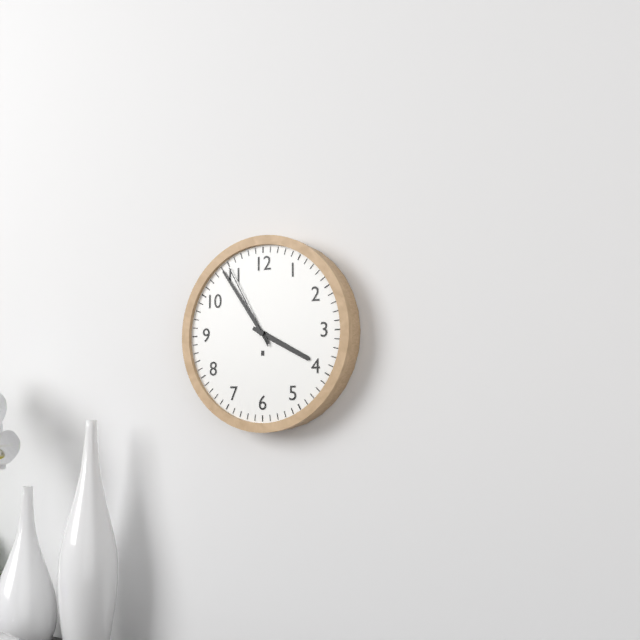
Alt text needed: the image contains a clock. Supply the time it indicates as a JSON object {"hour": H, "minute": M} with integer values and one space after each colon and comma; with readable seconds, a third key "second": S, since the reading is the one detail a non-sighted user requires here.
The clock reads {"hour": 3, "minute": 54, "second": 55}
